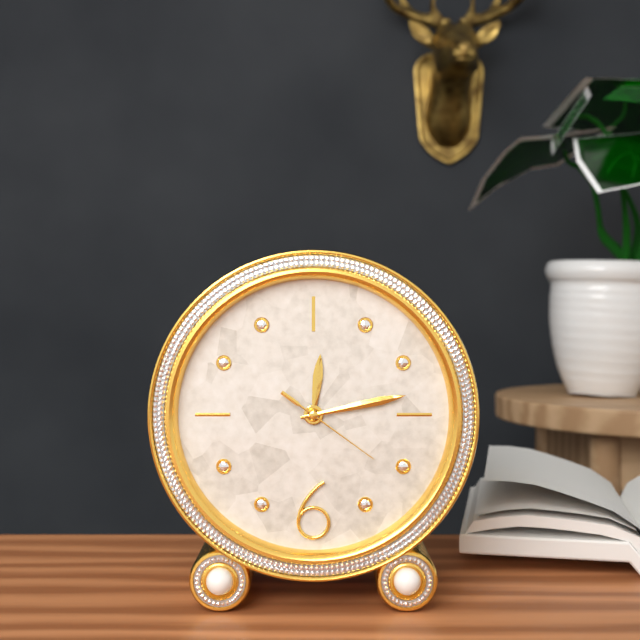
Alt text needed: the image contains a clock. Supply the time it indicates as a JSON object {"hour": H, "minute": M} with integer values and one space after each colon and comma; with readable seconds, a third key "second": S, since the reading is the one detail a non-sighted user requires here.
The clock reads {"hour": 12, "minute": 13, "second": 21}
